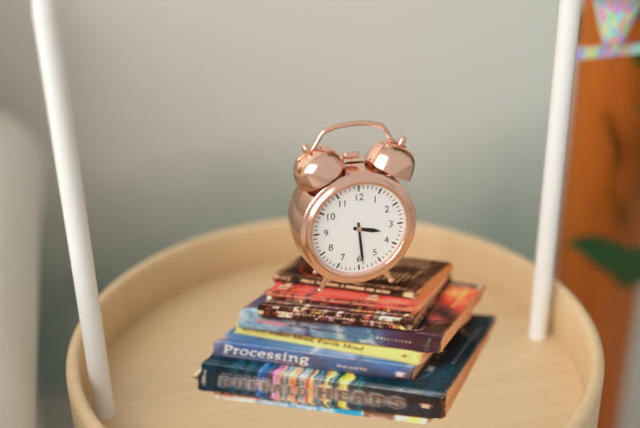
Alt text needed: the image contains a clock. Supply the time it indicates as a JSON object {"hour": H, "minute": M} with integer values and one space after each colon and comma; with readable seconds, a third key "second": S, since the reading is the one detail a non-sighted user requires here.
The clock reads {"hour": 3, "minute": 29}
